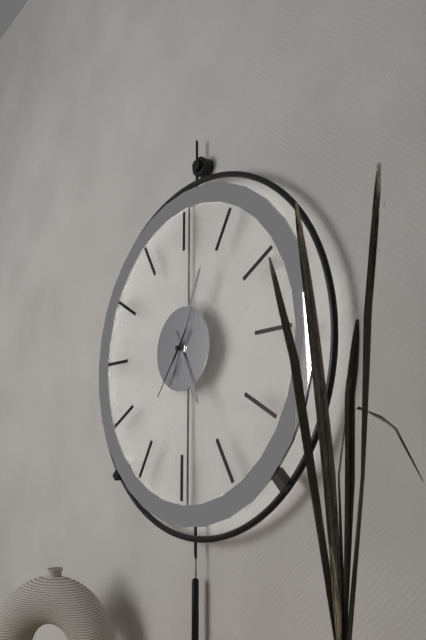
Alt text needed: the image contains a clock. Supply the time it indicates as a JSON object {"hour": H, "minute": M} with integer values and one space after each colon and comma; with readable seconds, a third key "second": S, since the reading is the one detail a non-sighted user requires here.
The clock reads {"hour": 5, "minute": 4, "second": 36}
